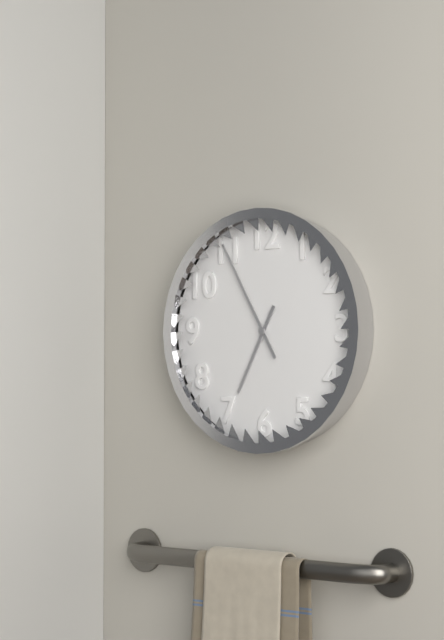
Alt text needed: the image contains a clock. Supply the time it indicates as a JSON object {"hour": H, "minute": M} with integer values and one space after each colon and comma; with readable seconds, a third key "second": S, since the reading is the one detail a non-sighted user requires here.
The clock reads {"hour": 6, "minute": 55}
